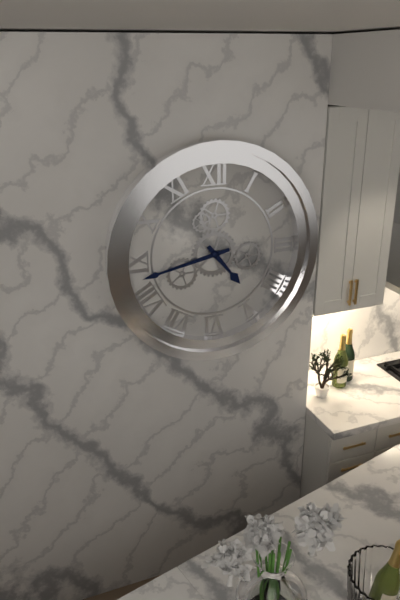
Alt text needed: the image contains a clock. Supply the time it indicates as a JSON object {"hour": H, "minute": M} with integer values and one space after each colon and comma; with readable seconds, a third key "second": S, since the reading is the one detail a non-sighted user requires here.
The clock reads {"hour": 4, "minute": 43}
